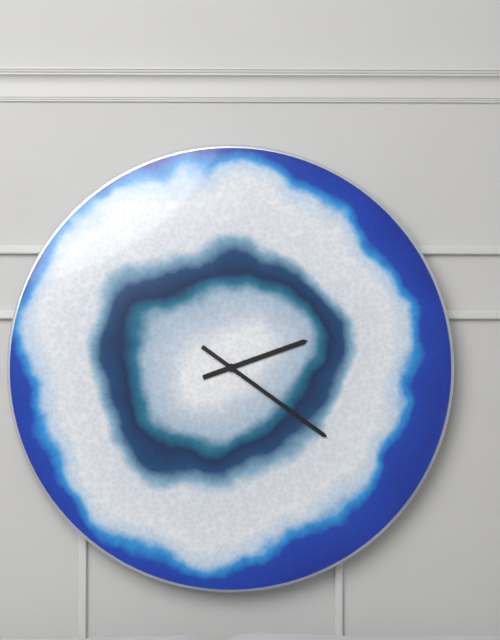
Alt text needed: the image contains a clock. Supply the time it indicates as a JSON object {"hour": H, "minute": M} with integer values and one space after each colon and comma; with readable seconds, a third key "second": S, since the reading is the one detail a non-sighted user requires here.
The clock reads {"hour": 2, "minute": 21}
